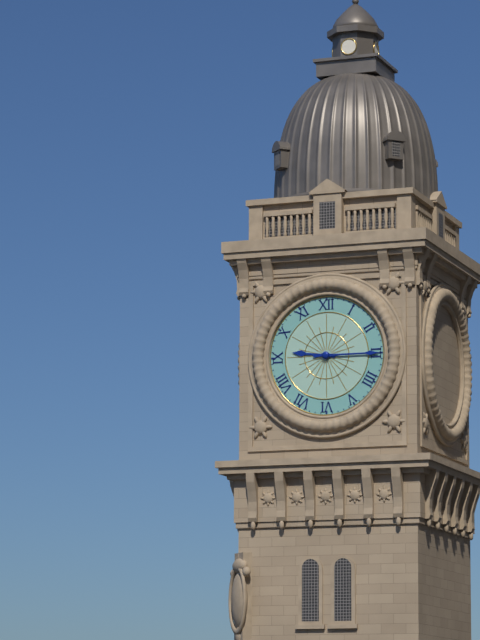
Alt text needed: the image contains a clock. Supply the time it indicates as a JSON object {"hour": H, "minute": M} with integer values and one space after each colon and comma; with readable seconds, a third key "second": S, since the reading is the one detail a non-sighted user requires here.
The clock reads {"hour": 9, "minute": 15}
